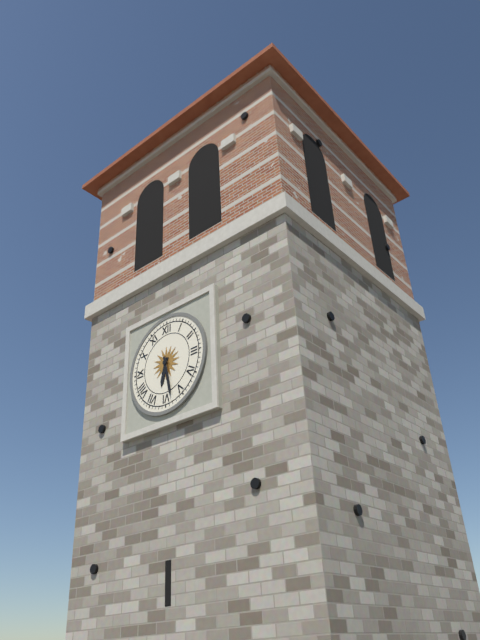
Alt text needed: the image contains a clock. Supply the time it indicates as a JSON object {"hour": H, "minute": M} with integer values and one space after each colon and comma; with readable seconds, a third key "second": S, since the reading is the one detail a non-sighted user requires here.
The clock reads {"hour": 6, "minute": 28}
